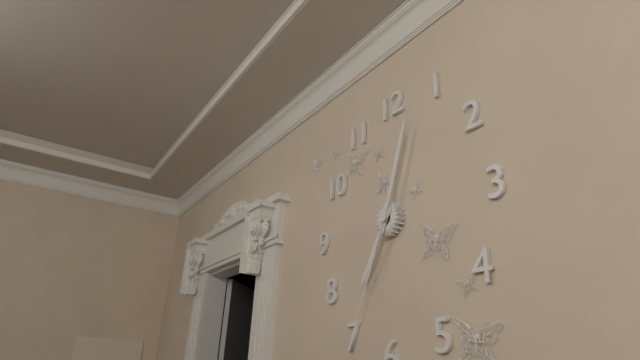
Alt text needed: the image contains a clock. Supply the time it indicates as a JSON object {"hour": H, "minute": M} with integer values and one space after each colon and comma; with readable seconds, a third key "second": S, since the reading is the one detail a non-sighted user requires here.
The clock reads {"hour": 7, "minute": 3, "second": 34}
